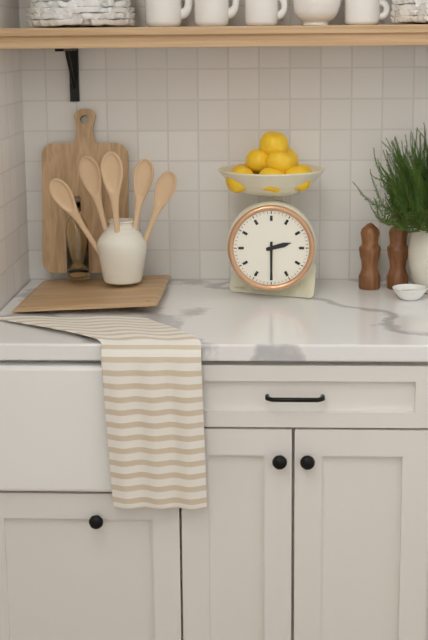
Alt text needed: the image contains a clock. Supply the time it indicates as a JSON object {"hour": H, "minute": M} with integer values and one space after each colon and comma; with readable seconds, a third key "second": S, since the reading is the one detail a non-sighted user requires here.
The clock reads {"hour": 2, "minute": 30}
